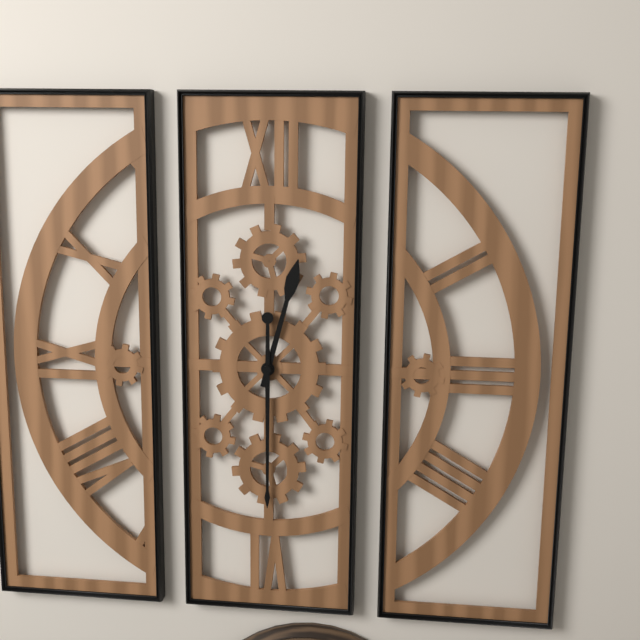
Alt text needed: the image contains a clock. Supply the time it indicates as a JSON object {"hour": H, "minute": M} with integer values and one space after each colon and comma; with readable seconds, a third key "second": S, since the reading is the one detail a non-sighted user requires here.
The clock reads {"hour": 12, "minute": 30}
